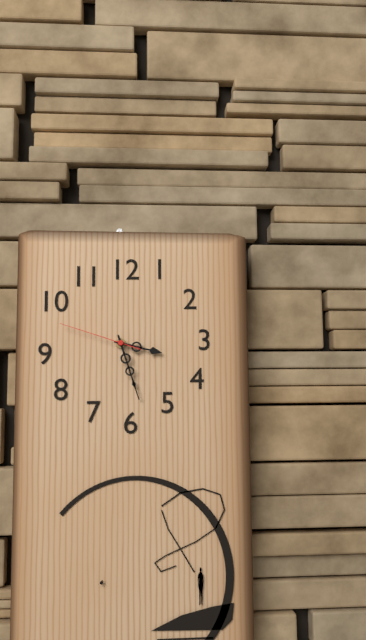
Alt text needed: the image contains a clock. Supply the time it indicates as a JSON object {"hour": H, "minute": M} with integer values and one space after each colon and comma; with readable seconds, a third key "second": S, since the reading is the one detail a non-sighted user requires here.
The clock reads {"hour": 3, "minute": 27, "second": 48}
